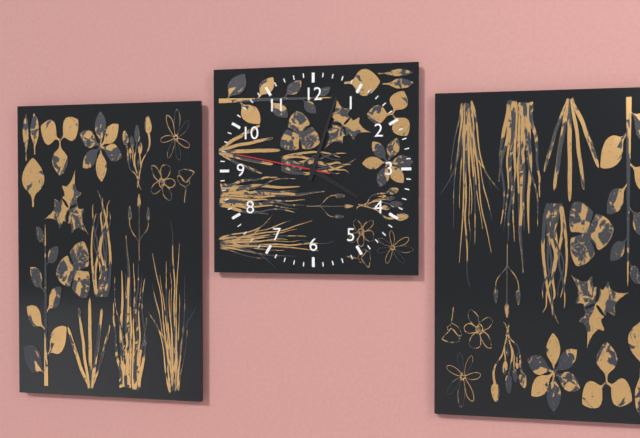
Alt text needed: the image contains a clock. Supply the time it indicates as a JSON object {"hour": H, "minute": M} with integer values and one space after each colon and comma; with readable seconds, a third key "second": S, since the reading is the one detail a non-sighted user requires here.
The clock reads {"hour": 4, "minute": 3, "second": 47}
